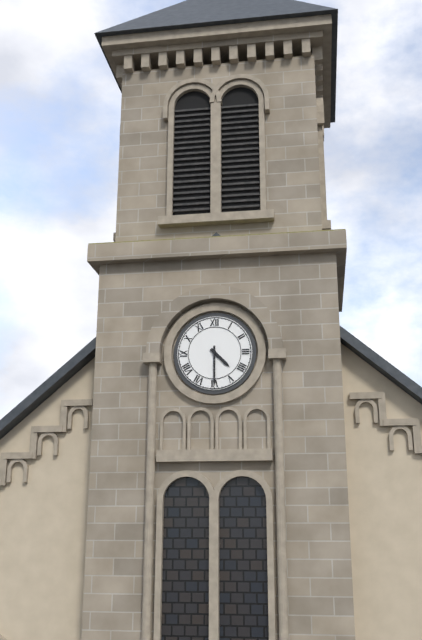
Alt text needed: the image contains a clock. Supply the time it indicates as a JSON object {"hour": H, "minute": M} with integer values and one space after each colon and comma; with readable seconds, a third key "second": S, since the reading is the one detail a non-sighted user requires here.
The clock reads {"hour": 4, "minute": 30}
